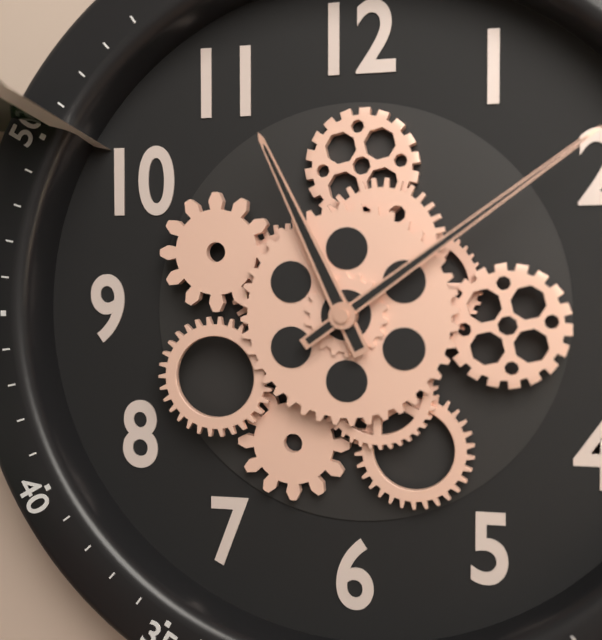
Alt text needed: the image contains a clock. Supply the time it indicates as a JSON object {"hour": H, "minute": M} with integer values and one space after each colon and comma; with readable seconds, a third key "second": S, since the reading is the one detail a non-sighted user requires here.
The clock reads {"hour": 11, "minute": 9}
